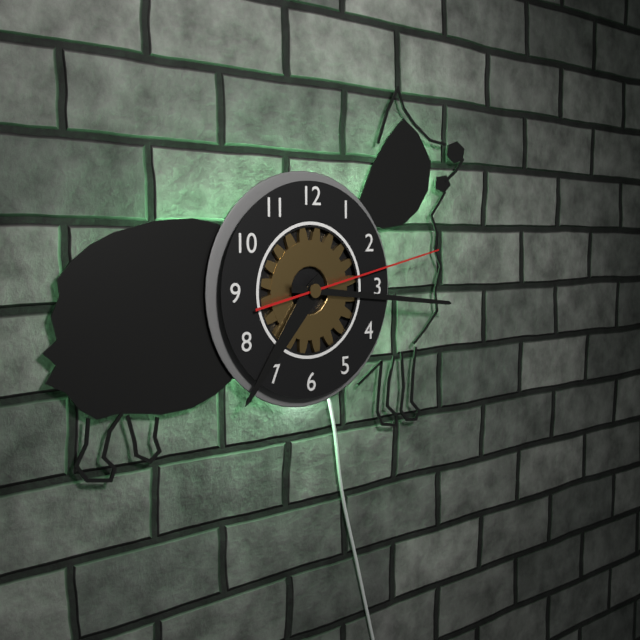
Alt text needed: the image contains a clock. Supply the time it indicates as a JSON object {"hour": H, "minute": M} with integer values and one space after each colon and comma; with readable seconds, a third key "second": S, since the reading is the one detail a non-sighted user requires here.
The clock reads {"hour": 7, "minute": 16, "second": 13}
